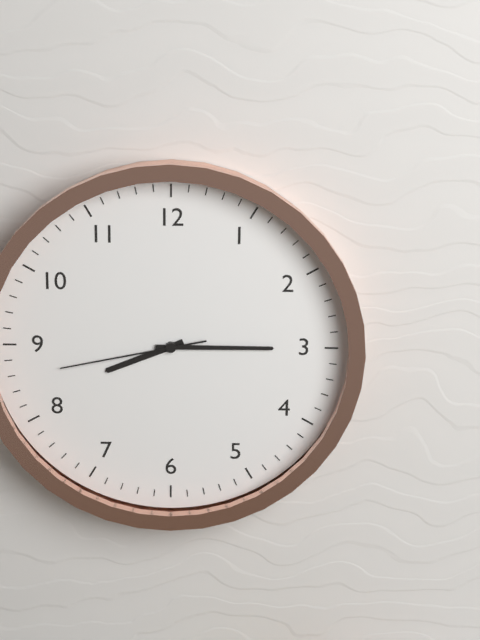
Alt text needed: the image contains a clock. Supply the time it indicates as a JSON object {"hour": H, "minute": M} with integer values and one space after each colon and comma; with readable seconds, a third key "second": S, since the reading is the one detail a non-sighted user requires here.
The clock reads {"hour": 8, "minute": 15, "second": 43}
